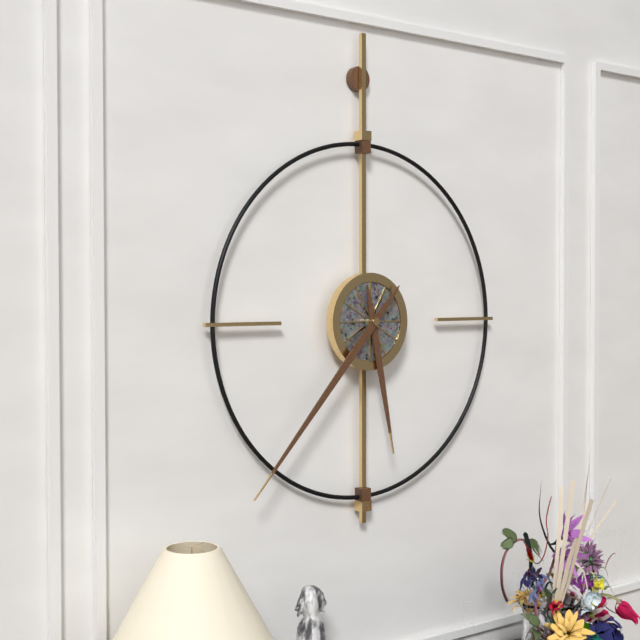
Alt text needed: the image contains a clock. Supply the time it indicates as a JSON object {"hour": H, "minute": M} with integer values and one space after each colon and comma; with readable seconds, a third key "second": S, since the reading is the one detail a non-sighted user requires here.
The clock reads {"hour": 5, "minute": 37}
